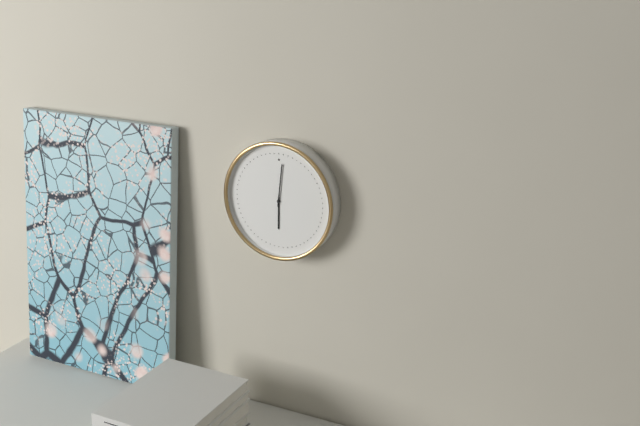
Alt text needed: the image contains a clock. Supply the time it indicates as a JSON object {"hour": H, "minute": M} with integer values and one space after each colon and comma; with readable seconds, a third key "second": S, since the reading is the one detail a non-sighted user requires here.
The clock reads {"hour": 6, "minute": 1}
